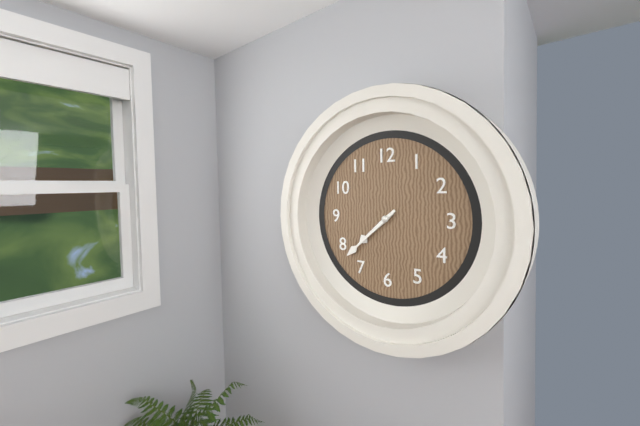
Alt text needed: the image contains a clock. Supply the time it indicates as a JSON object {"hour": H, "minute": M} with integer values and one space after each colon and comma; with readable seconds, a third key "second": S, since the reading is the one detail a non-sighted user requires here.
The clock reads {"hour": 7, "minute": 38}
